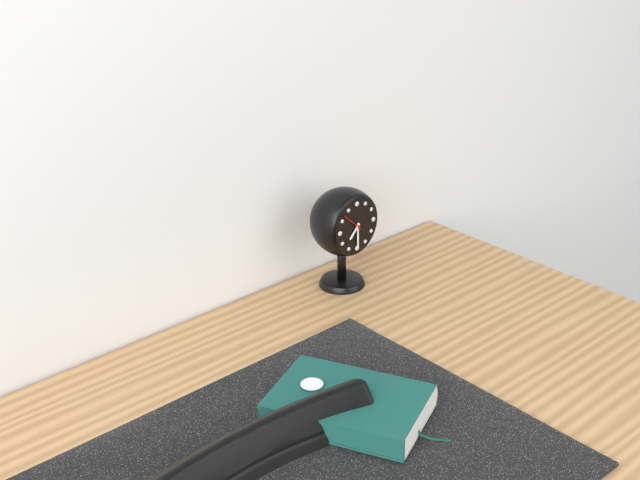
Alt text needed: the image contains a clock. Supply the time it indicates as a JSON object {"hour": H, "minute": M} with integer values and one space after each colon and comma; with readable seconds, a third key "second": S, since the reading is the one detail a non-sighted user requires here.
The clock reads {"hour": 7, "minute": 30}
